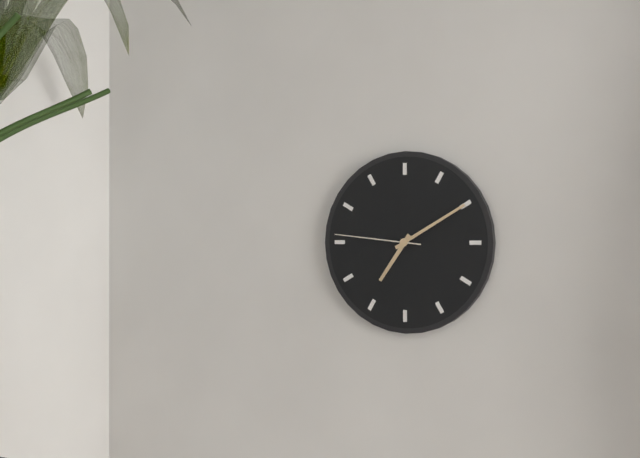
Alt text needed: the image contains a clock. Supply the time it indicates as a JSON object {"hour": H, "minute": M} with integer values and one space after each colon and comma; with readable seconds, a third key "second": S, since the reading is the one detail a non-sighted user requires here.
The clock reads {"hour": 7, "minute": 10, "second": 46}
